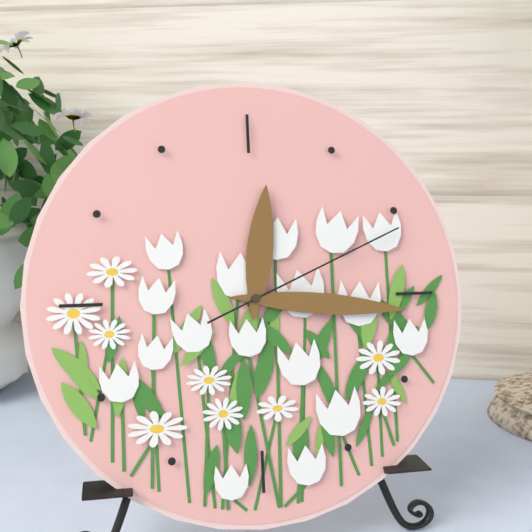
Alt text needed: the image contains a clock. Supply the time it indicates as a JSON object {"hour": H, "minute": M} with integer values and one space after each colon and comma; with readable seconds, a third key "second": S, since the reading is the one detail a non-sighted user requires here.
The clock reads {"hour": 12, "minute": 16, "second": 11}
